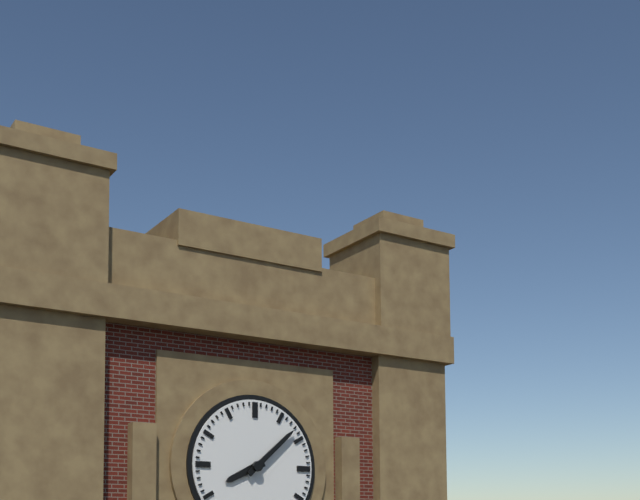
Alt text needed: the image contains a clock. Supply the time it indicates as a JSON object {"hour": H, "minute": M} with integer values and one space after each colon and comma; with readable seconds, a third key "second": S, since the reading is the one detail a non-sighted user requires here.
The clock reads {"hour": 8, "minute": 8}
